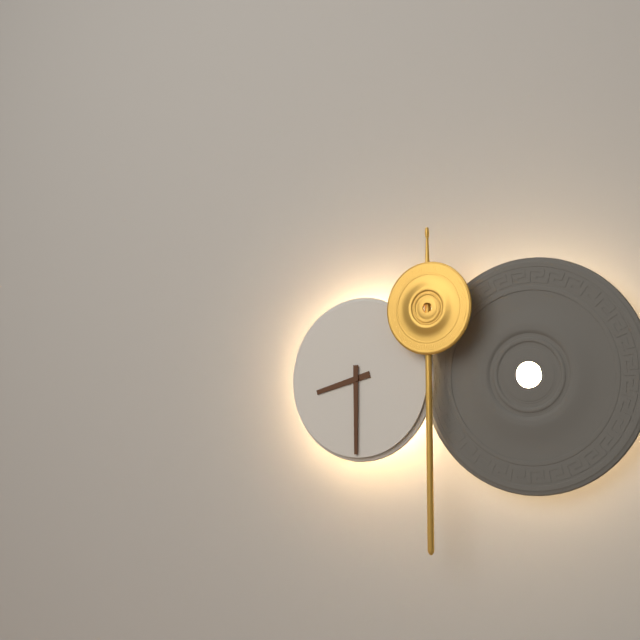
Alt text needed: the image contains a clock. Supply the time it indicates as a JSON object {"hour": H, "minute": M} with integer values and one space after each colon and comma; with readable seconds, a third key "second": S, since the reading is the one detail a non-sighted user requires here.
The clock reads {"hour": 8, "minute": 30}
